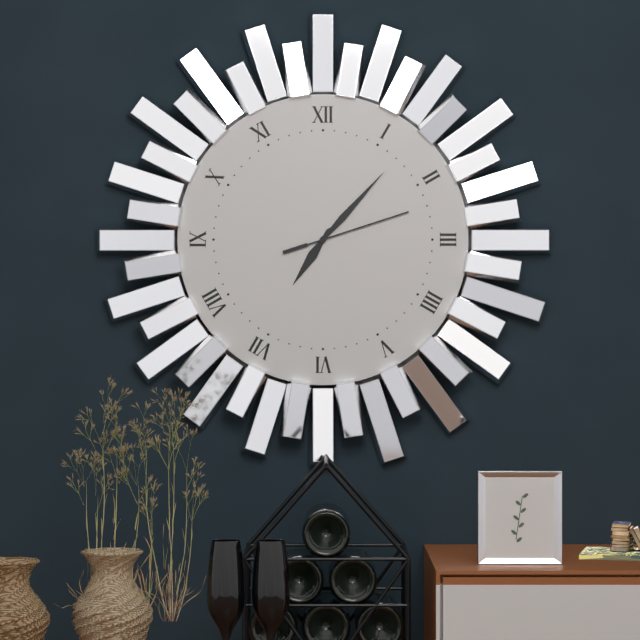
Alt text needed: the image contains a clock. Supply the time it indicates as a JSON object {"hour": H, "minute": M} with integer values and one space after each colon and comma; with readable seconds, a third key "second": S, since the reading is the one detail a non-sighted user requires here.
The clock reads {"hour": 7, "minute": 7, "second": 12}
